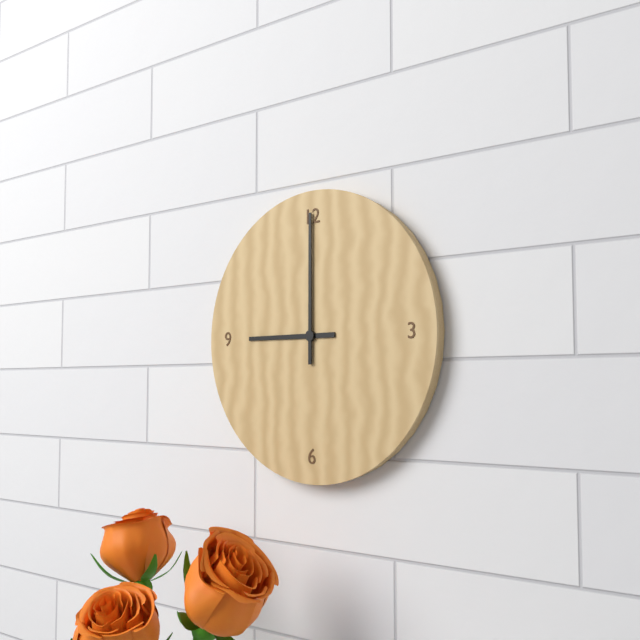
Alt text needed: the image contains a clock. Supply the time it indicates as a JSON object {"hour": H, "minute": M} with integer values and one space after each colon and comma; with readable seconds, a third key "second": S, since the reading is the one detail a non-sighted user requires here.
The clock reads {"hour": 9, "minute": 0}
